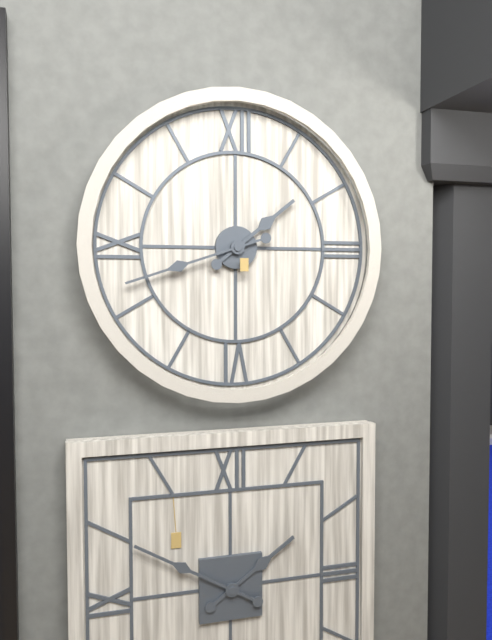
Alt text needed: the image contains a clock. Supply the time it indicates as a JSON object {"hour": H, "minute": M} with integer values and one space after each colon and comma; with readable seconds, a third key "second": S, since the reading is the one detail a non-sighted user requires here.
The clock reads {"hour": 1, "minute": 42}
